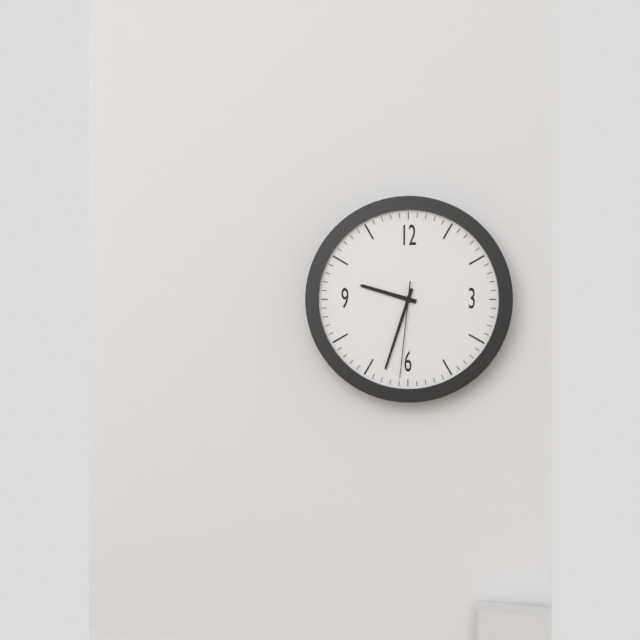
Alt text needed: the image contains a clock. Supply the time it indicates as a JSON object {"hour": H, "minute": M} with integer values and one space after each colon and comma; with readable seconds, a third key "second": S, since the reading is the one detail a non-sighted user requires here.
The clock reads {"hour": 9, "minute": 33, "second": 31}
